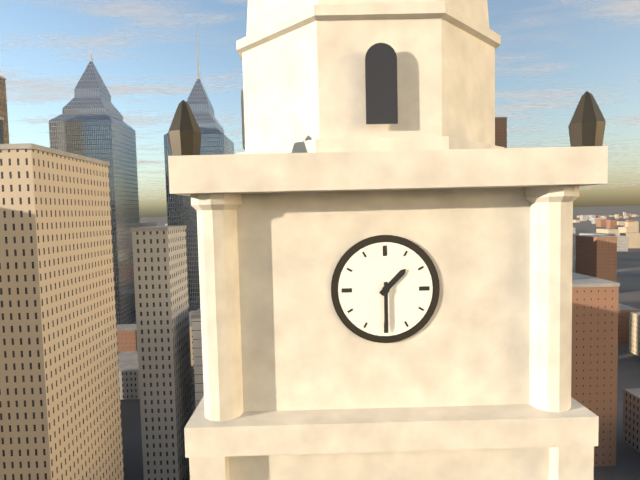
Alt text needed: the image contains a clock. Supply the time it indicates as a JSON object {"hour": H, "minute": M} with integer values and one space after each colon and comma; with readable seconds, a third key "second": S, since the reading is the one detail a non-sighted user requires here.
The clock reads {"hour": 1, "minute": 30}
